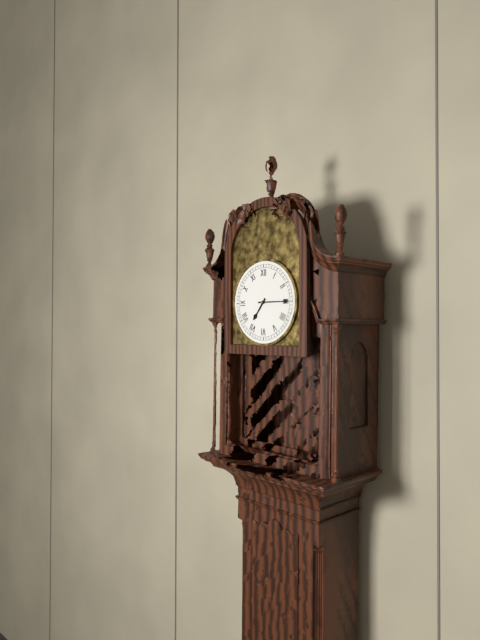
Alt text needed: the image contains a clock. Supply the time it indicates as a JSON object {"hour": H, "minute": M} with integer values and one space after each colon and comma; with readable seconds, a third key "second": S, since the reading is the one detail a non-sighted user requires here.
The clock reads {"hour": 7, "minute": 15}
